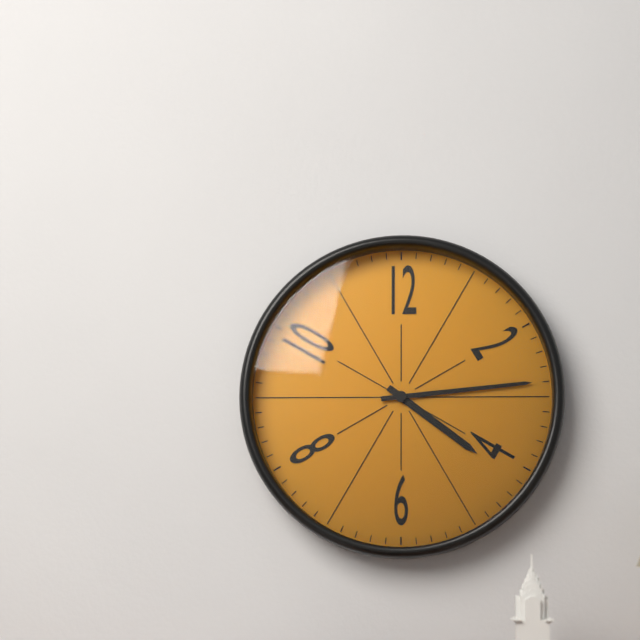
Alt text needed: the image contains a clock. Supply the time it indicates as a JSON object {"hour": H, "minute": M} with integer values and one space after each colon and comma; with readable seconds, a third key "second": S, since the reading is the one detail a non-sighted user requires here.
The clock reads {"hour": 4, "minute": 14}
